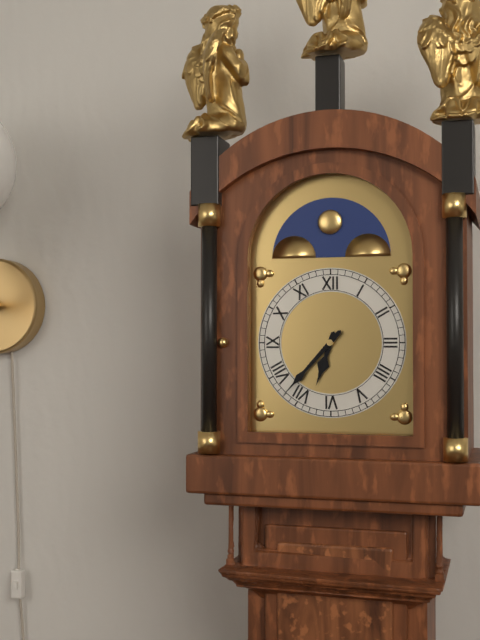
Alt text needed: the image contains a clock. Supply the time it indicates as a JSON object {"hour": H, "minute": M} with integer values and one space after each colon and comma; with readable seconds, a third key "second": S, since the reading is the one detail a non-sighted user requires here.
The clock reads {"hour": 6, "minute": 37}
